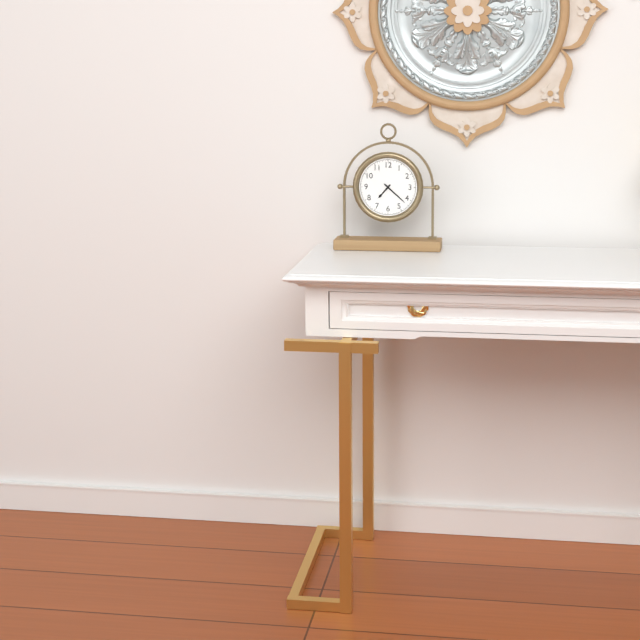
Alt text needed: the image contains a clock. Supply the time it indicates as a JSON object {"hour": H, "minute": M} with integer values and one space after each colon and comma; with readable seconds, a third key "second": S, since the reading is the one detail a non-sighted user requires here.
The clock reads {"hour": 7, "minute": 22}
